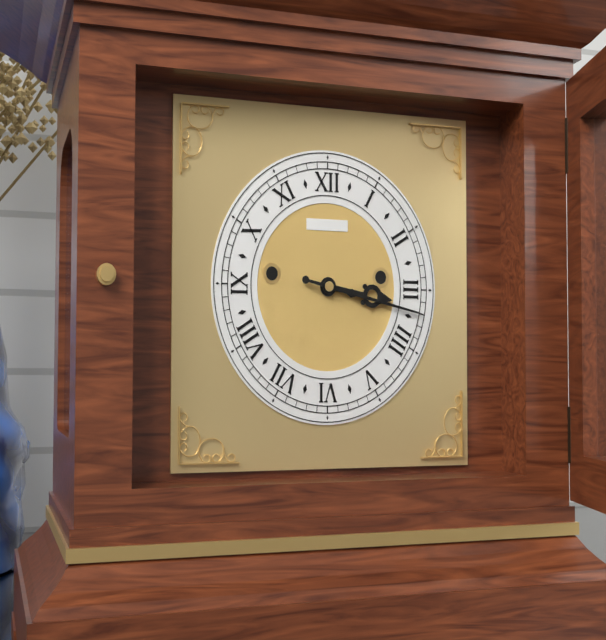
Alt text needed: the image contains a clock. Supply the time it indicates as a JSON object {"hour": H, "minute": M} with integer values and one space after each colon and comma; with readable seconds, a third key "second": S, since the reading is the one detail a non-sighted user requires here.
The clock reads {"hour": 3, "minute": 17}
